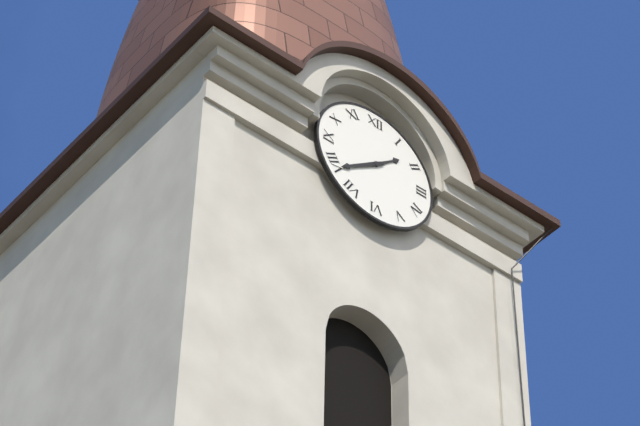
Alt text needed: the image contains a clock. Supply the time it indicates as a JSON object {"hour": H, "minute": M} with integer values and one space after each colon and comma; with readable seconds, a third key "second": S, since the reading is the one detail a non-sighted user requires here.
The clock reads {"hour": 1, "minute": 39}
